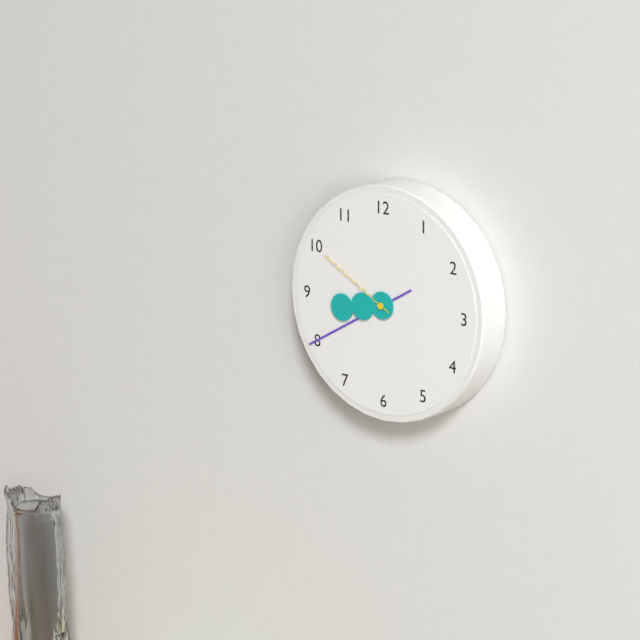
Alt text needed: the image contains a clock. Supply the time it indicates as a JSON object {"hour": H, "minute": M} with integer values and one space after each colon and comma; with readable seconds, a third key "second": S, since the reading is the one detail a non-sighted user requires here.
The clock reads {"hour": 8, "minute": 40, "second": 50}
